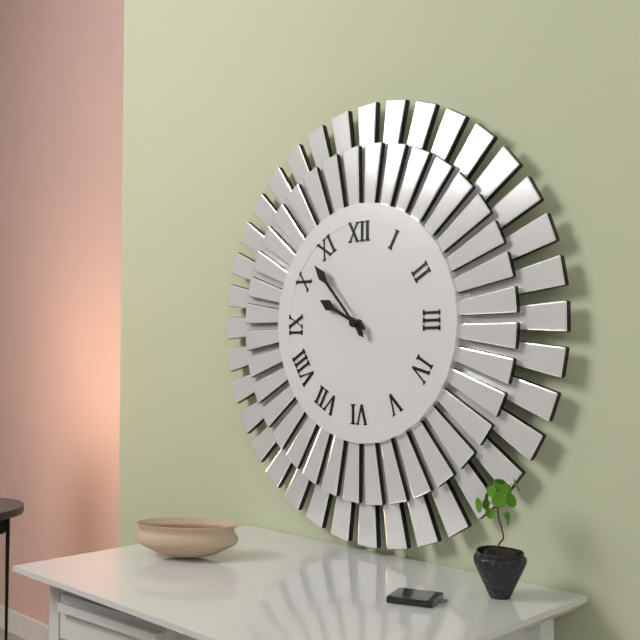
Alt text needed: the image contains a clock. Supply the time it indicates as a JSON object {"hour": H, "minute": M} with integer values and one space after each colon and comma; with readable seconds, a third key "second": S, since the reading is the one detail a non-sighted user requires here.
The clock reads {"hour": 9, "minute": 53}
